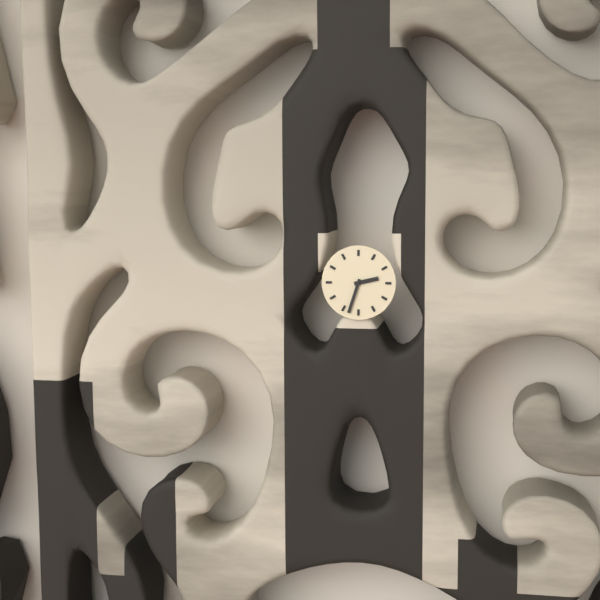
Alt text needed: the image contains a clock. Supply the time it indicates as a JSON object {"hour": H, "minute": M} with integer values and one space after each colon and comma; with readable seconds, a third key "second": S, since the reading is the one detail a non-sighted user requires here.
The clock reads {"hour": 2, "minute": 33}
